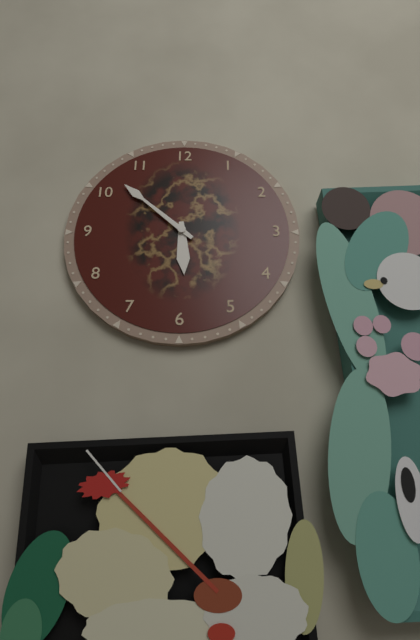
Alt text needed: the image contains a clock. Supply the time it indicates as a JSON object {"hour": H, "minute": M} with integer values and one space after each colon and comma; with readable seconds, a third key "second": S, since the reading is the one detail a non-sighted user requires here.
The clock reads {"hour": 5, "minute": 52}
